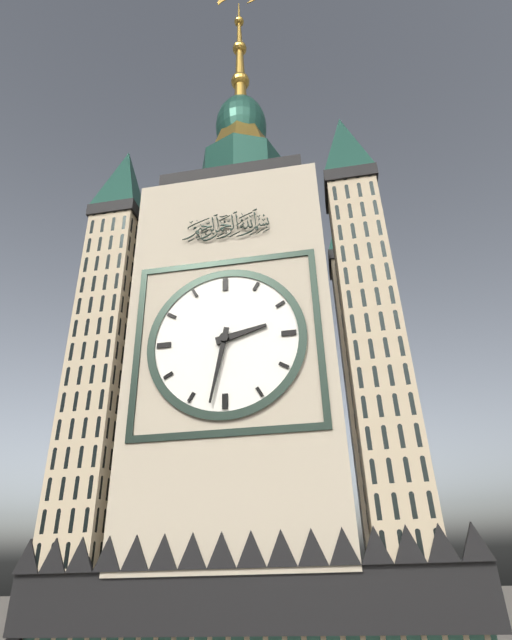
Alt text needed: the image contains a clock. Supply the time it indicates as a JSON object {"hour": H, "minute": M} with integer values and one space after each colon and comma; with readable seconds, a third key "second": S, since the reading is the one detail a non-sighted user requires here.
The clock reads {"hour": 2, "minute": 32}
